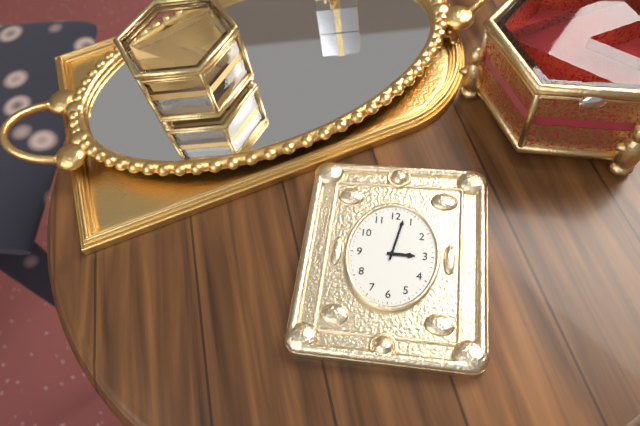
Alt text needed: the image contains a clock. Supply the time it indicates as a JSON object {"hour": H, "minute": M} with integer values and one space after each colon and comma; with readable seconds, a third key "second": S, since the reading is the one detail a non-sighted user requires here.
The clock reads {"hour": 3, "minute": 2}
